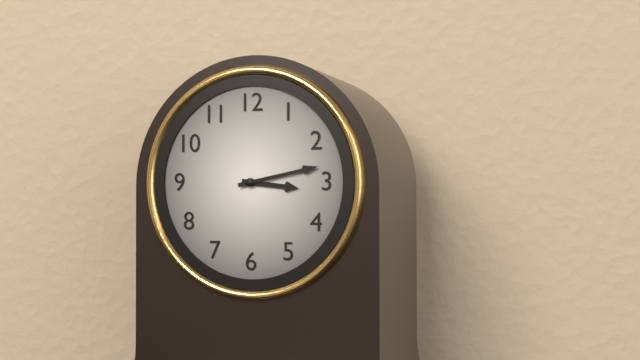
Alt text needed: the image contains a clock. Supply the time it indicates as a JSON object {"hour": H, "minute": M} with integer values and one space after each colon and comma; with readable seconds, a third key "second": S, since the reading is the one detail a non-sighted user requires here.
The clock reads {"hour": 3, "minute": 13}
